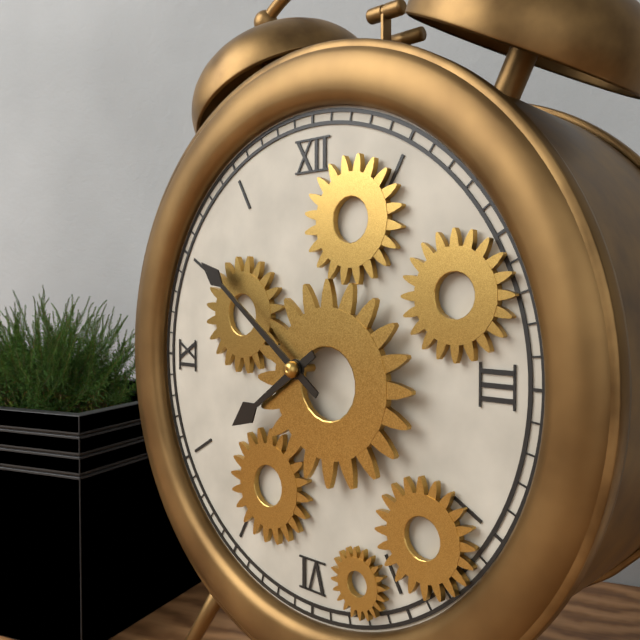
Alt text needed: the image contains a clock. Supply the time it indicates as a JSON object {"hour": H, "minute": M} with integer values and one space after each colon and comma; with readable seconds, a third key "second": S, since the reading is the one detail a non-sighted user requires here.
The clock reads {"hour": 7, "minute": 51}
